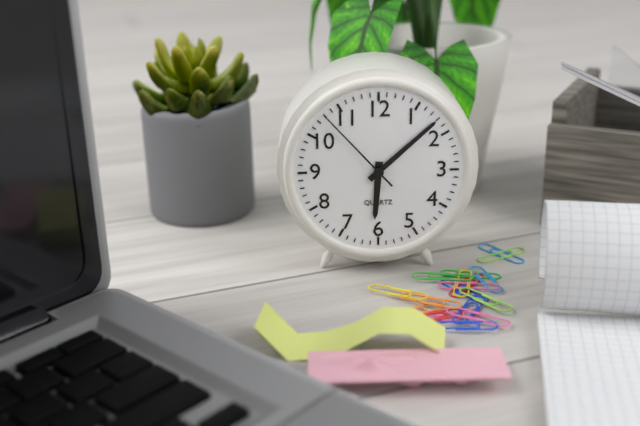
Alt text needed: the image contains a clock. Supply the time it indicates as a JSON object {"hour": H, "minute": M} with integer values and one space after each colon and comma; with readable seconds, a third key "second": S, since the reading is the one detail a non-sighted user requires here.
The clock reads {"hour": 6, "minute": 8, "second": 53}
